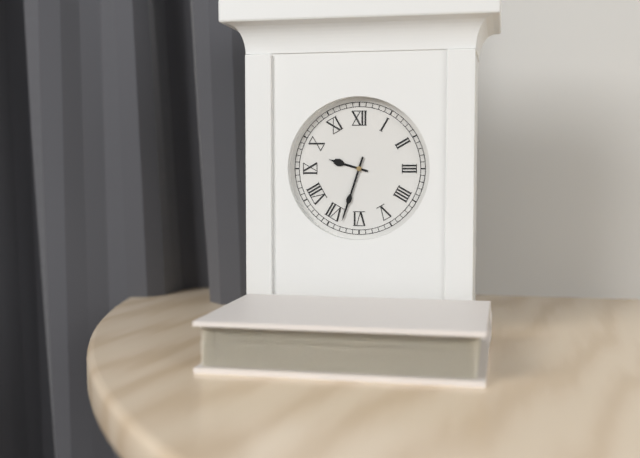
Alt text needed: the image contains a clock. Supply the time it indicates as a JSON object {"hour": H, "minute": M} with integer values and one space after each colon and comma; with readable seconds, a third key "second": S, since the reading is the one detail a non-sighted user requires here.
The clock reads {"hour": 9, "minute": 33}
